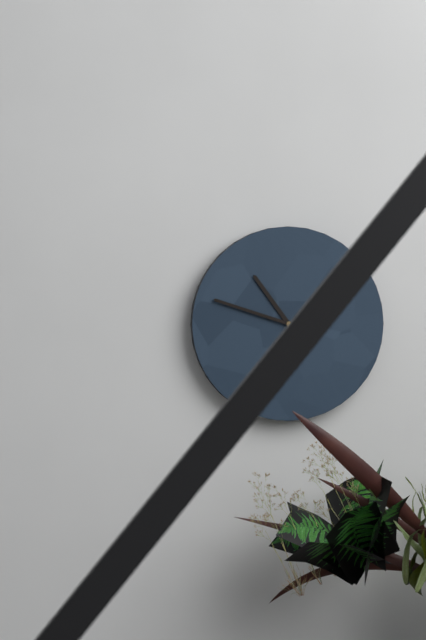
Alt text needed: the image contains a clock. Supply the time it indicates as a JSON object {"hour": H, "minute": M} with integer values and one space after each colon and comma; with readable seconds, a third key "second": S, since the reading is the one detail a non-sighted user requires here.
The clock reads {"hour": 10, "minute": 48}
